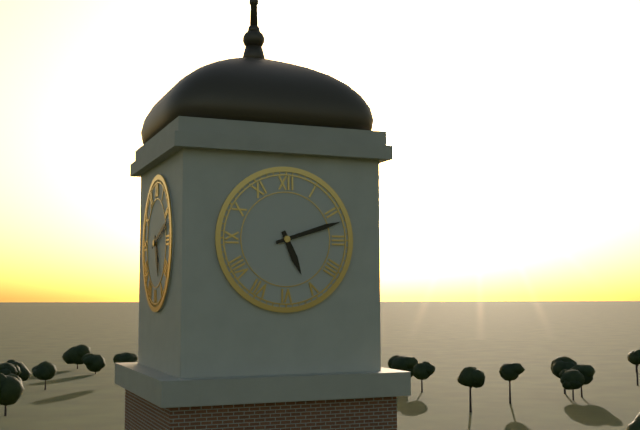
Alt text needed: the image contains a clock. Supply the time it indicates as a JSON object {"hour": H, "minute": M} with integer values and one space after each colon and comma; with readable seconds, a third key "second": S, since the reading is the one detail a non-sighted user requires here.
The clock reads {"hour": 5, "minute": 12}
